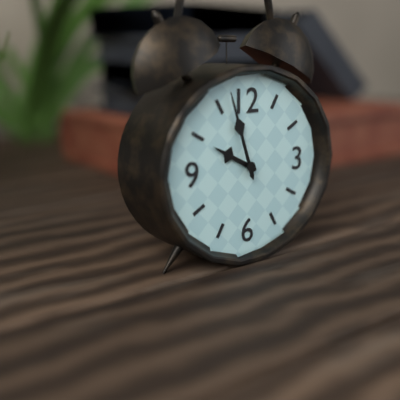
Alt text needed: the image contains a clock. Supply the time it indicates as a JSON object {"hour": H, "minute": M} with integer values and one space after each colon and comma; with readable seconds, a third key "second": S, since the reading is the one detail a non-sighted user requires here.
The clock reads {"hour": 9, "minute": 57}
